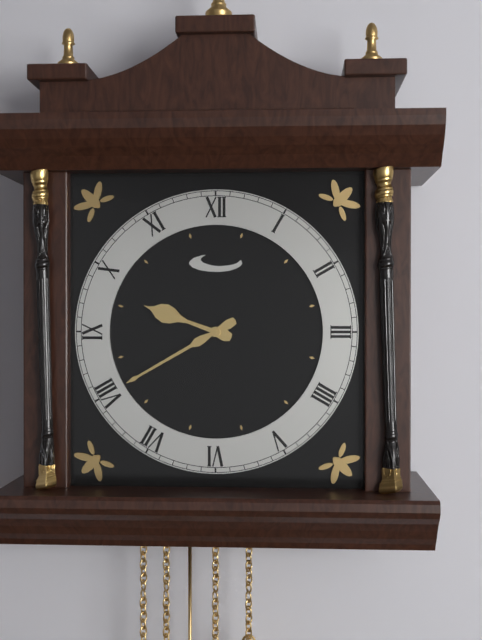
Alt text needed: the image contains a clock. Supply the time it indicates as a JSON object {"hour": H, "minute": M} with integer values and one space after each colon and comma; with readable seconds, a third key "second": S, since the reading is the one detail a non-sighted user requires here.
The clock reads {"hour": 9, "minute": 40}
